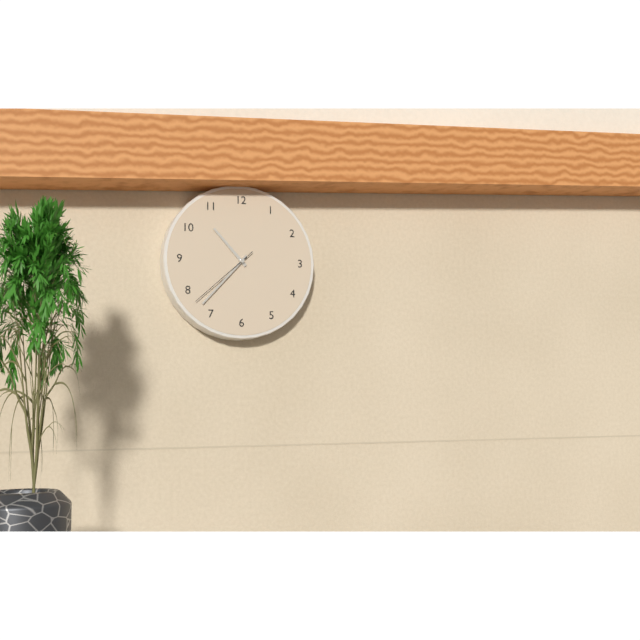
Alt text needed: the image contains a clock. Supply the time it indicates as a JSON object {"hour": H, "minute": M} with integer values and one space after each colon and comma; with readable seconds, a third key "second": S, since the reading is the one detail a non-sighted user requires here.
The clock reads {"hour": 10, "minute": 37, "second": 38}
